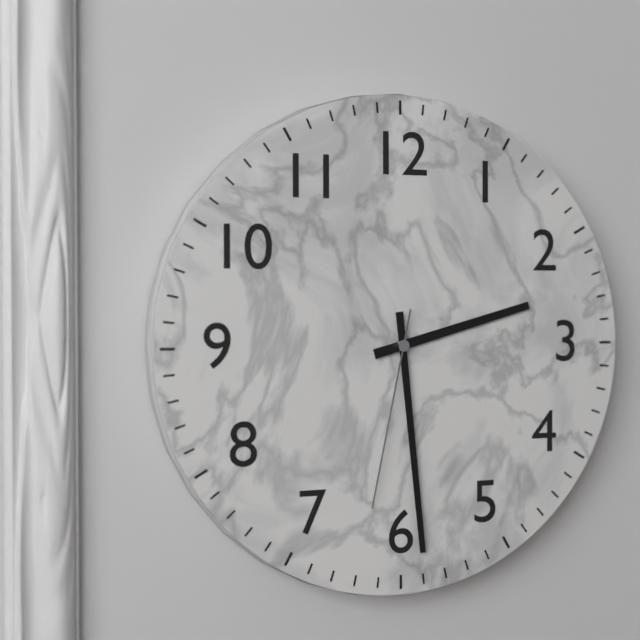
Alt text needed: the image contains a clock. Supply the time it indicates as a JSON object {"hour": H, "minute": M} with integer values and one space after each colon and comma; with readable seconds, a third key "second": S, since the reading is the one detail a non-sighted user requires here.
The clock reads {"hour": 2, "minute": 29, "second": 32}
